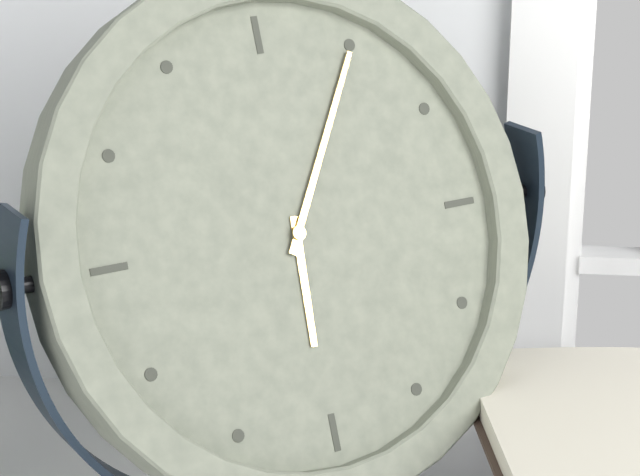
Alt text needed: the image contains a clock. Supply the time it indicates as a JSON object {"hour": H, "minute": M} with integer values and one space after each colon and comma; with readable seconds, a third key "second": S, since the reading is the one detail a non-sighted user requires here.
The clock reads {"hour": 6, "minute": 5}
